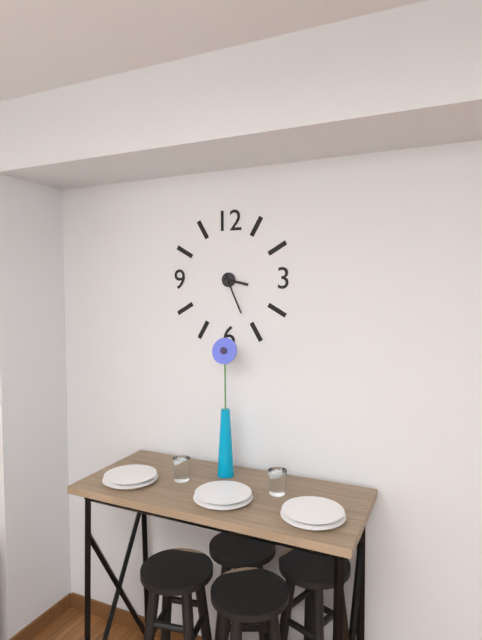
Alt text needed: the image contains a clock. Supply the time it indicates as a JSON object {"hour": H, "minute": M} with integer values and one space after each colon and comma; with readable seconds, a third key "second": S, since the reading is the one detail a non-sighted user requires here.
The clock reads {"hour": 3, "minute": 26}
